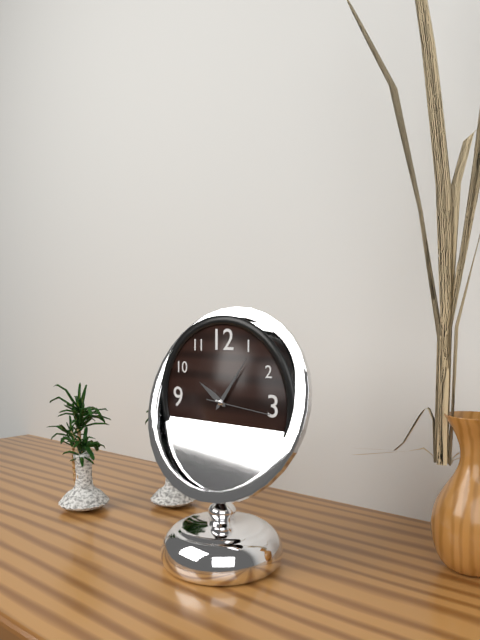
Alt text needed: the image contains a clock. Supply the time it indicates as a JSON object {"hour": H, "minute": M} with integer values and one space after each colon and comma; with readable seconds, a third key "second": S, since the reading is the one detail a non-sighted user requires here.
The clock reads {"hour": 10, "minute": 6, "second": 16}
